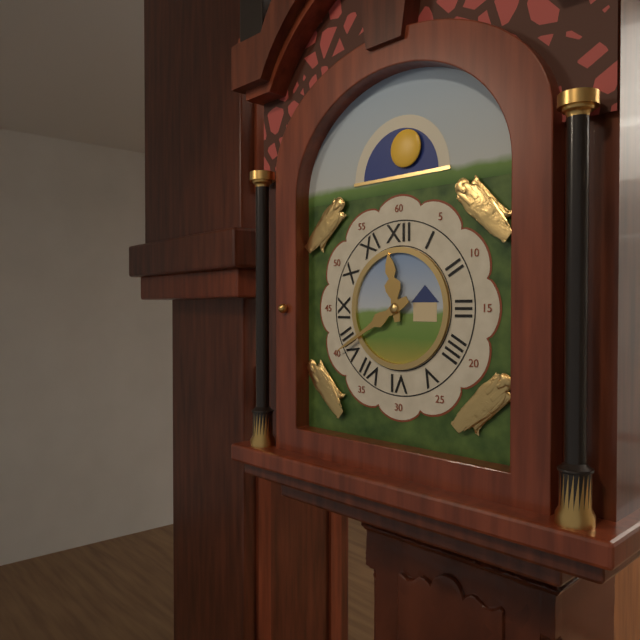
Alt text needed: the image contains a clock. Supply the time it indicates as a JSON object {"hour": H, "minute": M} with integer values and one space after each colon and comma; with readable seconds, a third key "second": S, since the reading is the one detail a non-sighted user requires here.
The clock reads {"hour": 11, "minute": 40}
